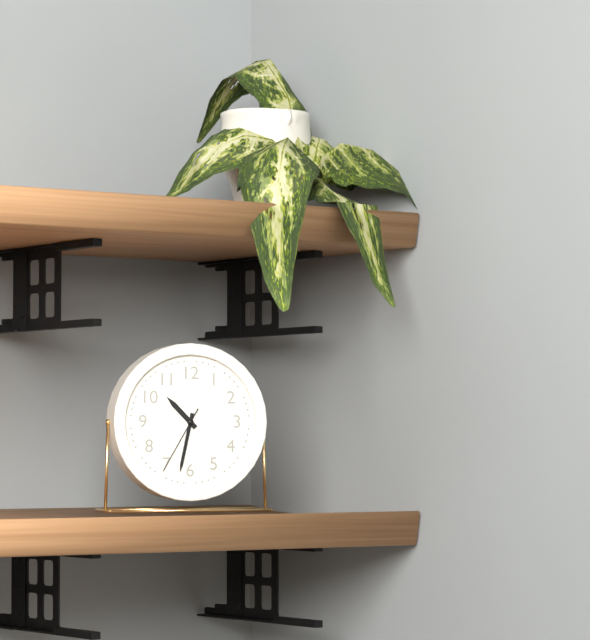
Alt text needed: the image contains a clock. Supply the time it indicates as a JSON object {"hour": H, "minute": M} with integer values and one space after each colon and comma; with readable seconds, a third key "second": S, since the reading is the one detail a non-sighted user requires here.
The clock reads {"hour": 10, "minute": 32, "second": 35}
